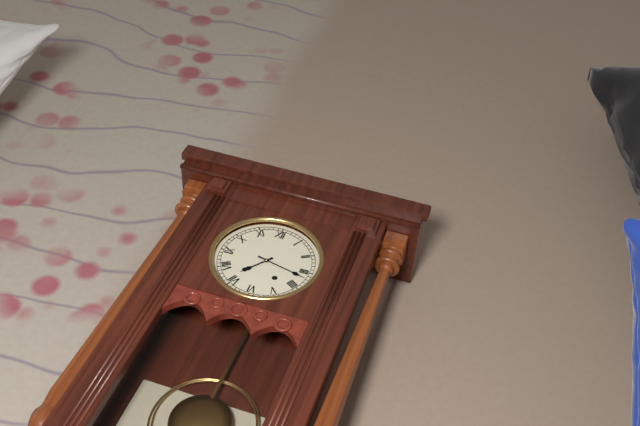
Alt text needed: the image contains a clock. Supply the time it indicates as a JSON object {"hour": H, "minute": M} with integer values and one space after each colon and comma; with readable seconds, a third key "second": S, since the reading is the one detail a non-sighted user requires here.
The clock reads {"hour": 7, "minute": 17}
